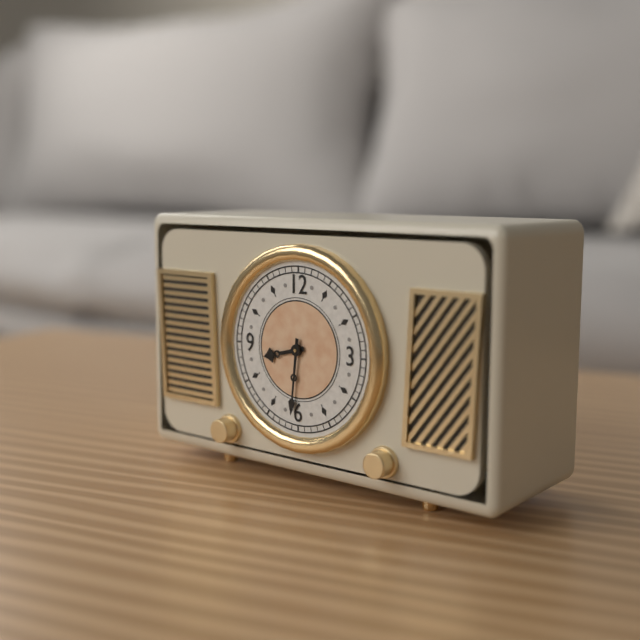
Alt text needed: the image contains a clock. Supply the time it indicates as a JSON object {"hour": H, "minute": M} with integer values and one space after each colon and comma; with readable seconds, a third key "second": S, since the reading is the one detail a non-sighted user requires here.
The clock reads {"hour": 8, "minute": 31}
